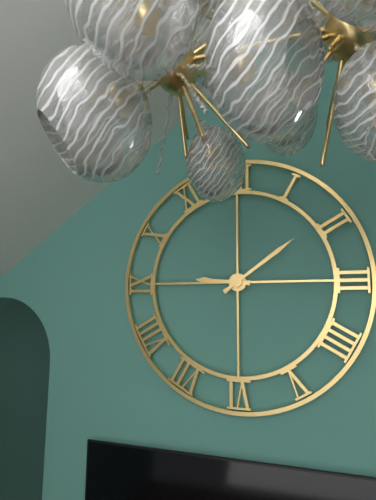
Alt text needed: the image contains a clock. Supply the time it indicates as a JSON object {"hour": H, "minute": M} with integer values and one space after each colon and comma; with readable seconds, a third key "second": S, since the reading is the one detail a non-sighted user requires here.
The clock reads {"hour": 9, "minute": 9}
